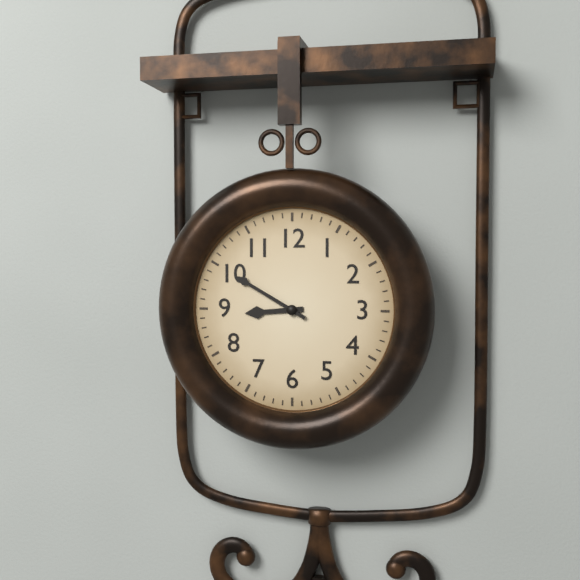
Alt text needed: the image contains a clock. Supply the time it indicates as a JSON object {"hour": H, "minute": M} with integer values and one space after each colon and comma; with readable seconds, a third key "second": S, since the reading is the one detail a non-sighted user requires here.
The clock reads {"hour": 8, "minute": 50}
